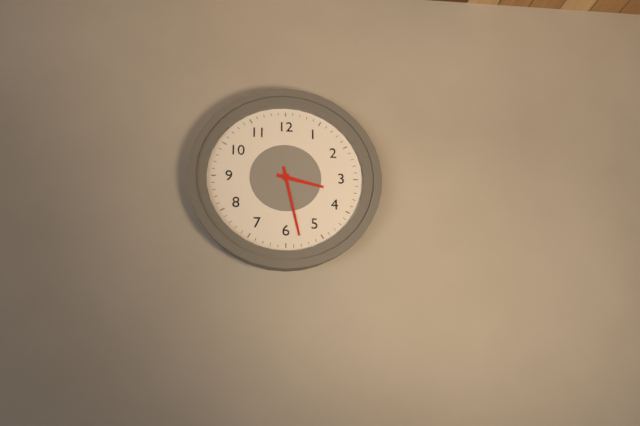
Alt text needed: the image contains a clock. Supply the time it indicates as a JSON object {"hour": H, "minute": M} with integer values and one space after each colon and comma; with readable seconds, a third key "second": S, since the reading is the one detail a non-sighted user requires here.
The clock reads {"hour": 3, "minute": 28}
